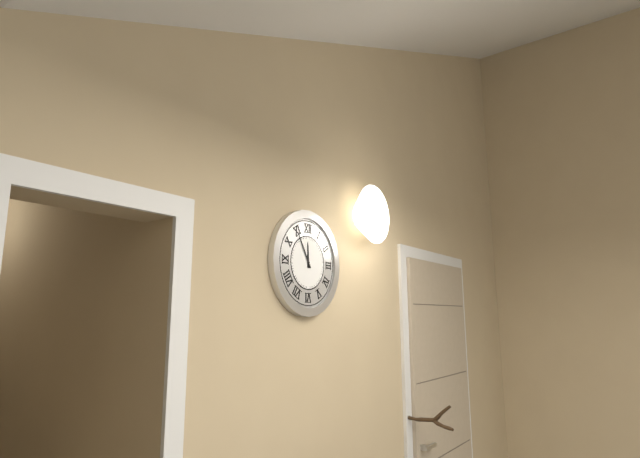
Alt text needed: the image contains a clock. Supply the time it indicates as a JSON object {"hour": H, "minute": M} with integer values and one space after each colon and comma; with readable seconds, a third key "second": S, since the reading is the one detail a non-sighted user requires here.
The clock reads {"hour": 11, "minute": 55}
